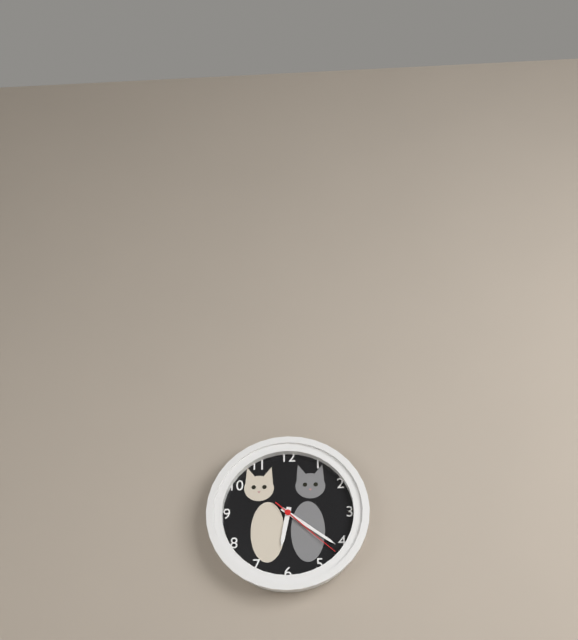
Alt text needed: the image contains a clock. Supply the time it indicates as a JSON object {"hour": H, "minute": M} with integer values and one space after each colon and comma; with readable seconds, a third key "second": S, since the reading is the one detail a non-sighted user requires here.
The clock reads {"hour": 6, "minute": 21, "second": 22}
